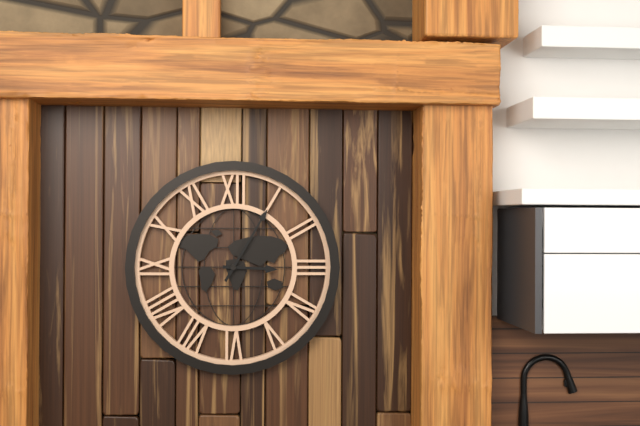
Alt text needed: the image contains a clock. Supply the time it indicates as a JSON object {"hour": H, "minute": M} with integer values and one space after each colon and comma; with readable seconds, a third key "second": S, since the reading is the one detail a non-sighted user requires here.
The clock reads {"hour": 3, "minute": 5}
